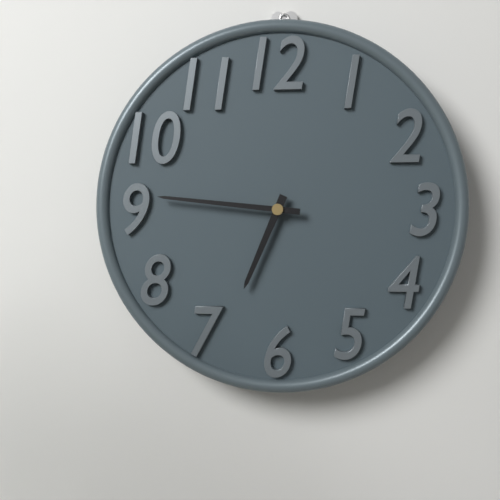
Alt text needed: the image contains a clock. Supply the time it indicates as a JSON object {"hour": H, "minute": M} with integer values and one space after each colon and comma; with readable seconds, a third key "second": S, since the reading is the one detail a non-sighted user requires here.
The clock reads {"hour": 6, "minute": 46}
